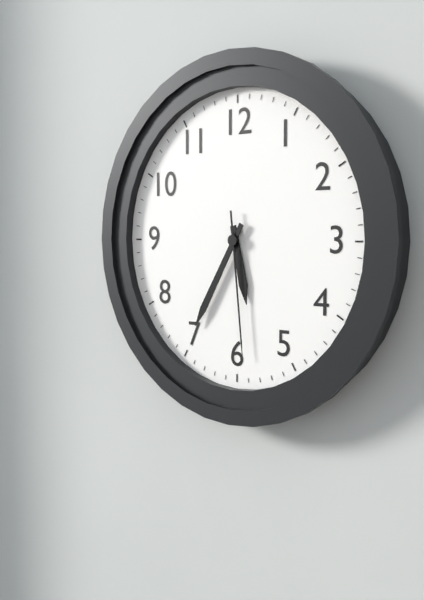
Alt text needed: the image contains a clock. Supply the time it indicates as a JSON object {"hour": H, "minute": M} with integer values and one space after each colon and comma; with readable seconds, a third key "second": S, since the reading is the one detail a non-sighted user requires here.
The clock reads {"hour": 5, "minute": 35, "second": 29}
